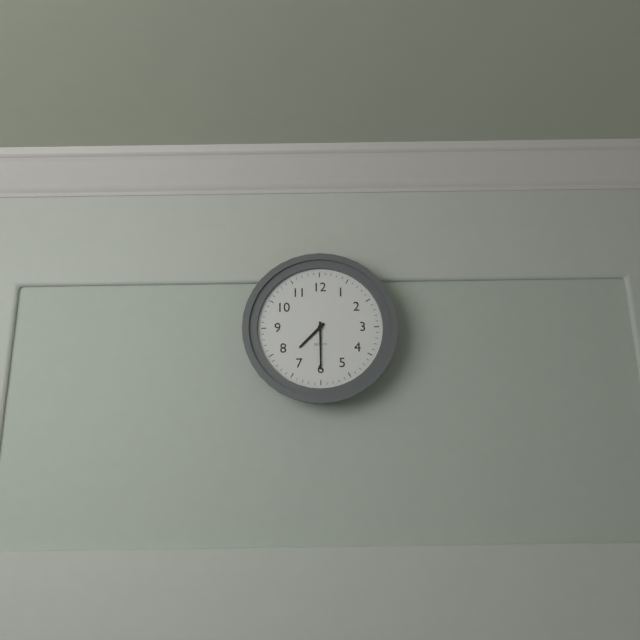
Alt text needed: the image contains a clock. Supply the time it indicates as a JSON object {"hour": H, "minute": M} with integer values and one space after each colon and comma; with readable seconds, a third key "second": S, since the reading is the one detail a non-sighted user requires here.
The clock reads {"hour": 7, "minute": 30}
